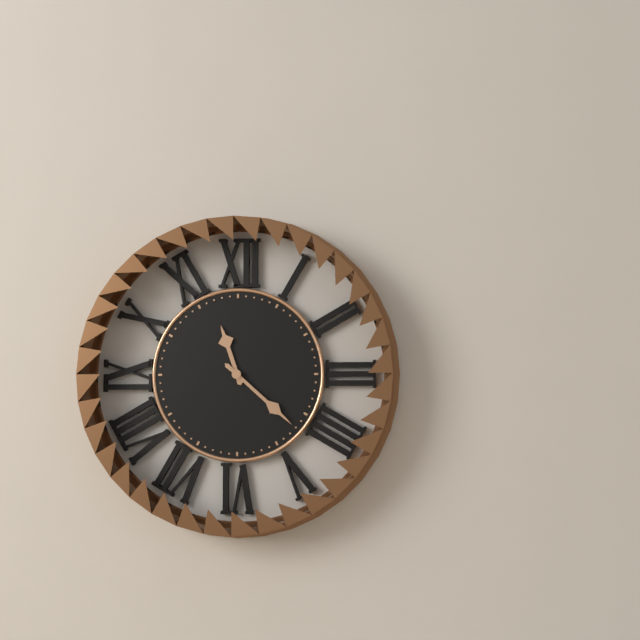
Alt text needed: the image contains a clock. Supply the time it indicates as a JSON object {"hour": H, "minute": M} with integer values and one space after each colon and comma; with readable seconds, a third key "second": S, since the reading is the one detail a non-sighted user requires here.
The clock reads {"hour": 11, "minute": 22}
